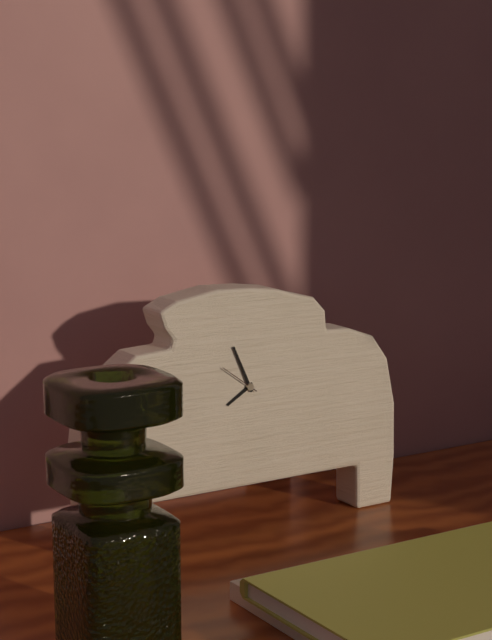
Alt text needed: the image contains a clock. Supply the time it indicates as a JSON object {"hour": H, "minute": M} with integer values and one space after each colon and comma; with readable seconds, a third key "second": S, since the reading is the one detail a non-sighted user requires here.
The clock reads {"hour": 7, "minute": 56}
